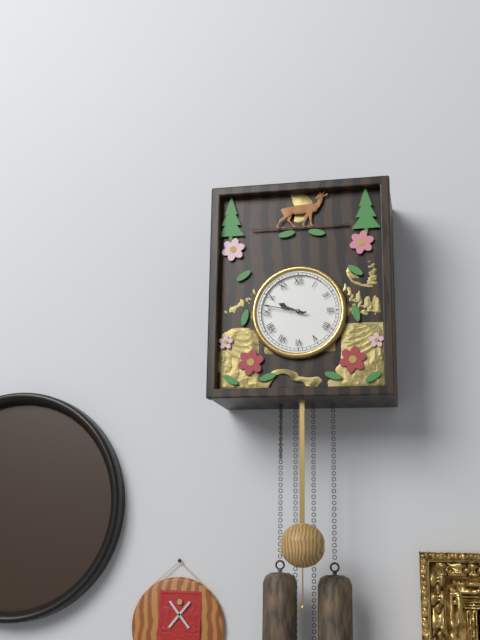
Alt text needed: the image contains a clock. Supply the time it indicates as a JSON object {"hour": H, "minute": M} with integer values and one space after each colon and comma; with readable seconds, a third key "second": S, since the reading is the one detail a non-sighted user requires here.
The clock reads {"hour": 9, "minute": 47}
